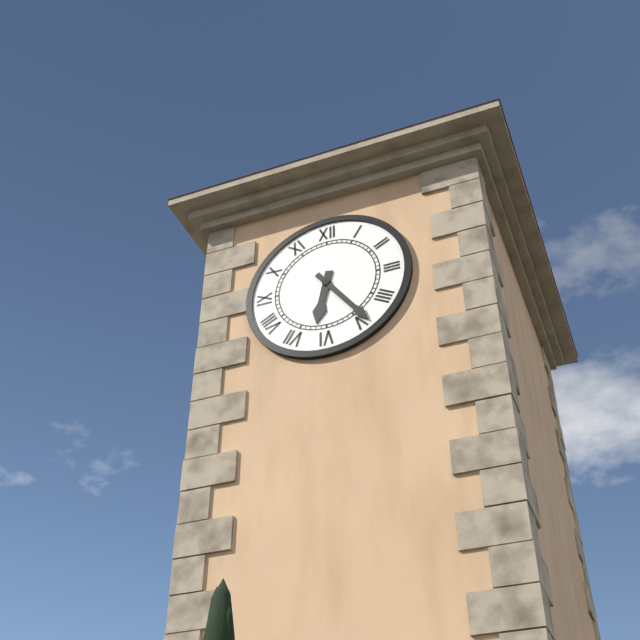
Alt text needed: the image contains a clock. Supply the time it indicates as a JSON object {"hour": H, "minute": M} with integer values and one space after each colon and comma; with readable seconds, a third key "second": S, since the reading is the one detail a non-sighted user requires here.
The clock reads {"hour": 6, "minute": 24}
